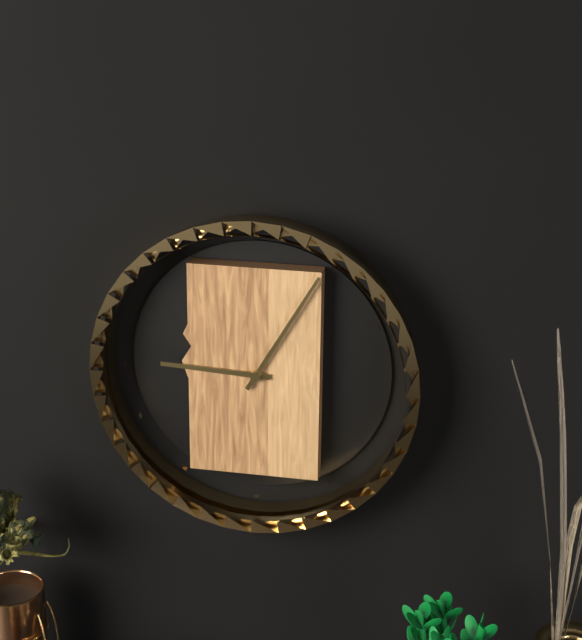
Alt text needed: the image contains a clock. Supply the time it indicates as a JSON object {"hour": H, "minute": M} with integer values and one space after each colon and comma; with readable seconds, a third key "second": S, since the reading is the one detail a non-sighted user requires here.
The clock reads {"hour": 9, "minute": 5}
